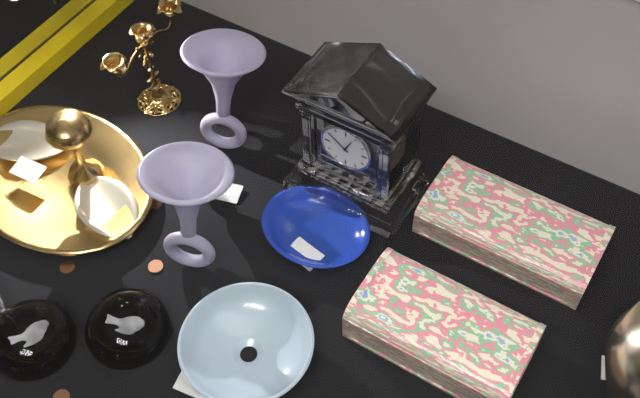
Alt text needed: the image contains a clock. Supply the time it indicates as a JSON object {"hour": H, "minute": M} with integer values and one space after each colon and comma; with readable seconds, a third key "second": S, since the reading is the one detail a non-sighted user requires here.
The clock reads {"hour": 12, "minute": 51}
